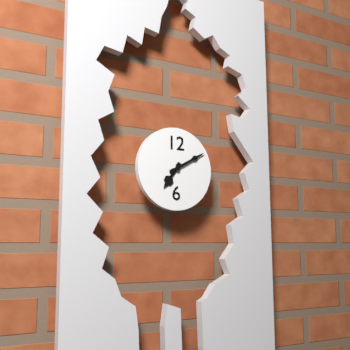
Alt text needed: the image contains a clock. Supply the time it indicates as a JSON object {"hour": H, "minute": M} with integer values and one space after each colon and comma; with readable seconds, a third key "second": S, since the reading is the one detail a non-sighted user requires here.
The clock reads {"hour": 7, "minute": 10}
